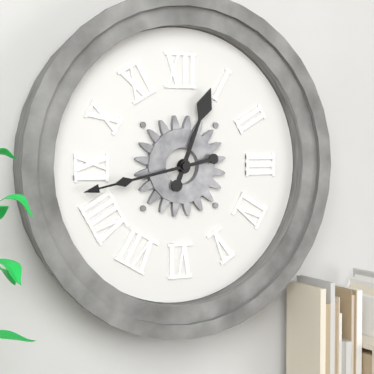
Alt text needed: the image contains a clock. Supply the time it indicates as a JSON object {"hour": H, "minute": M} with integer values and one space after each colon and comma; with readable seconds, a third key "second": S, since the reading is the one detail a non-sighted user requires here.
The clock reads {"hour": 12, "minute": 43}
